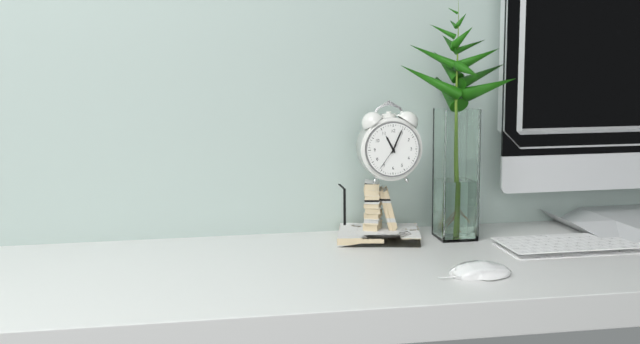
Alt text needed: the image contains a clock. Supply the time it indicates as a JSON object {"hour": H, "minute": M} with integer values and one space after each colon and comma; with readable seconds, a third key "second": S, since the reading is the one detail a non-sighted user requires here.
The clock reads {"hour": 11, "minute": 4}
